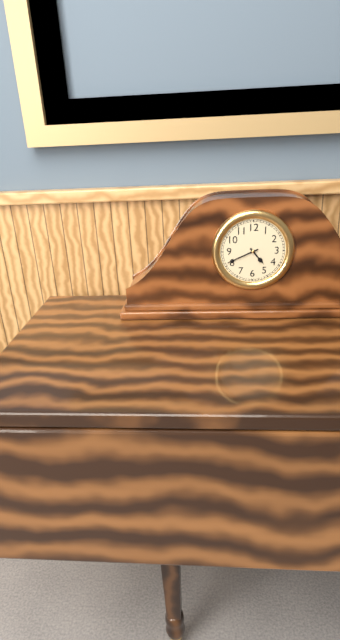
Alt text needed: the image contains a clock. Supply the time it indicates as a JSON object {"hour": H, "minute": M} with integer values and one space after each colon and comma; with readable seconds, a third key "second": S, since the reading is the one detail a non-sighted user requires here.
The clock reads {"hour": 4, "minute": 41}
